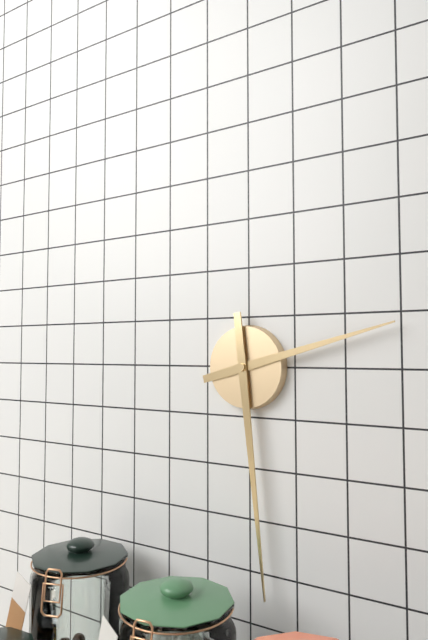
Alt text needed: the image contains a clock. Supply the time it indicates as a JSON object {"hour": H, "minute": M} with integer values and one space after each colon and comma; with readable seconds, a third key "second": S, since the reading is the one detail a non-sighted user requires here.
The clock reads {"hour": 2, "minute": 29}
